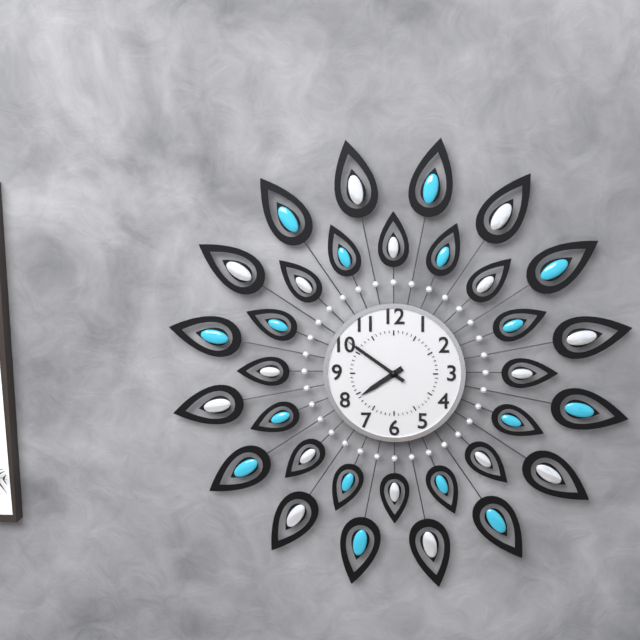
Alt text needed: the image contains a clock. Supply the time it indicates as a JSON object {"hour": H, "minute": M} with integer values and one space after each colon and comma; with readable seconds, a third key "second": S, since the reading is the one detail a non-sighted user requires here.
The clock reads {"hour": 7, "minute": 51}
